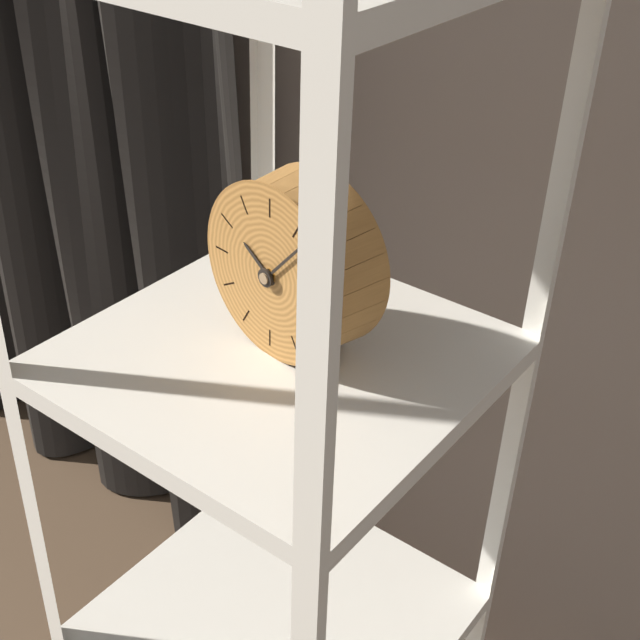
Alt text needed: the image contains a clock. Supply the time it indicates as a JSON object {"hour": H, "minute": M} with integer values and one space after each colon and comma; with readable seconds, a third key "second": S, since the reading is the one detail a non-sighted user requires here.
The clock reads {"hour": 10, "minute": 7}
